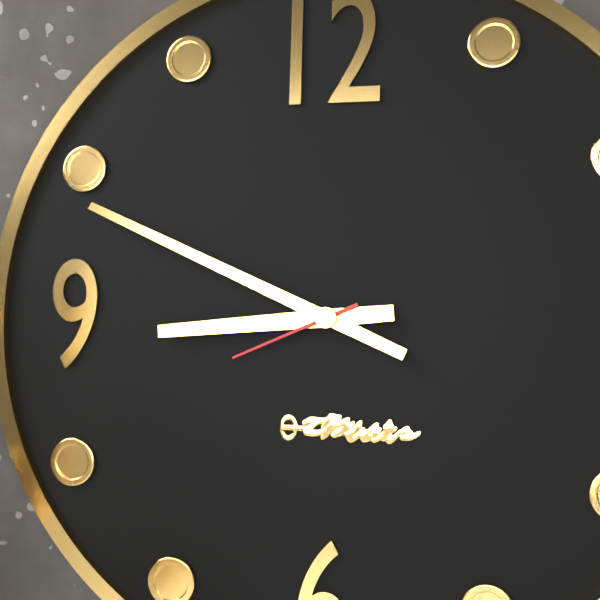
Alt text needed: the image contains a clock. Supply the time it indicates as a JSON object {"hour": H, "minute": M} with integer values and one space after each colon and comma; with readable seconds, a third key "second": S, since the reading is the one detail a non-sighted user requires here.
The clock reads {"hour": 8, "minute": 49, "second": 41}
